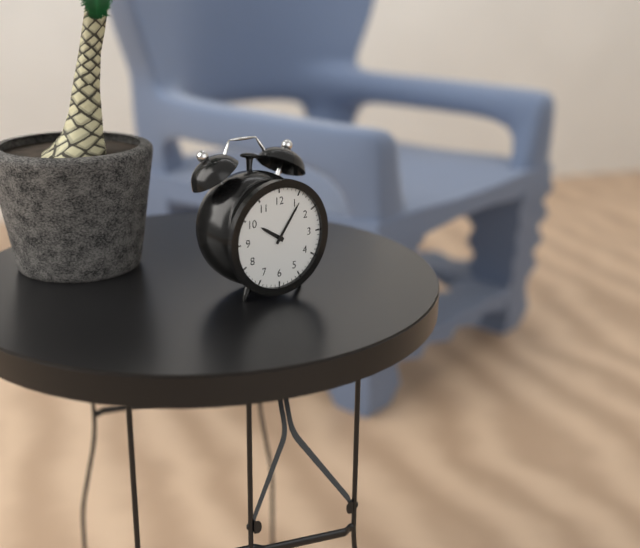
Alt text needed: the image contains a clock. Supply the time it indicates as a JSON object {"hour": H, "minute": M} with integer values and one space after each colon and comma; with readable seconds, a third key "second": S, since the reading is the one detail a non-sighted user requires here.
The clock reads {"hour": 10, "minute": 6}
